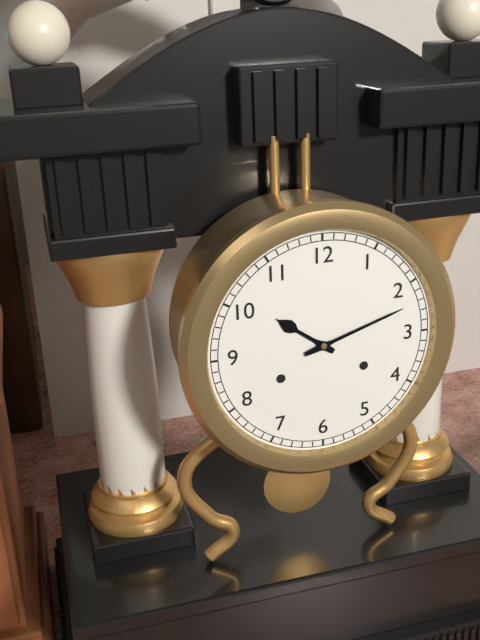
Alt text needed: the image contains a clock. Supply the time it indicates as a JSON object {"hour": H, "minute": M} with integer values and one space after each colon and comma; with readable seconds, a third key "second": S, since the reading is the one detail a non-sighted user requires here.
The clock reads {"hour": 10, "minute": 12}
